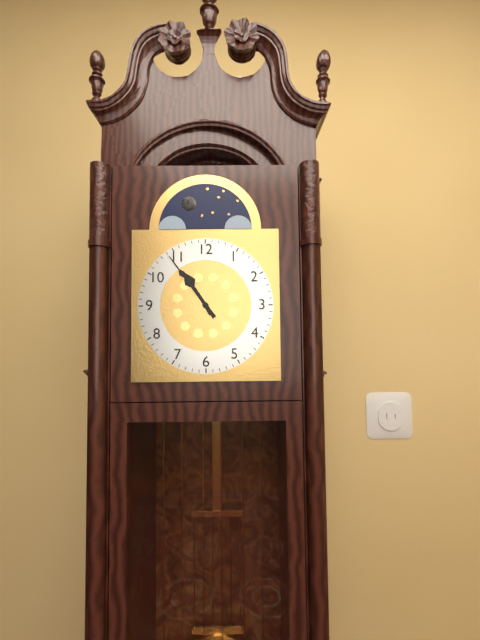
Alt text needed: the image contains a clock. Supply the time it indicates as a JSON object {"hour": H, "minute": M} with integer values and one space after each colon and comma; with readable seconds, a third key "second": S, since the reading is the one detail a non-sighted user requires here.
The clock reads {"hour": 10, "minute": 54}
